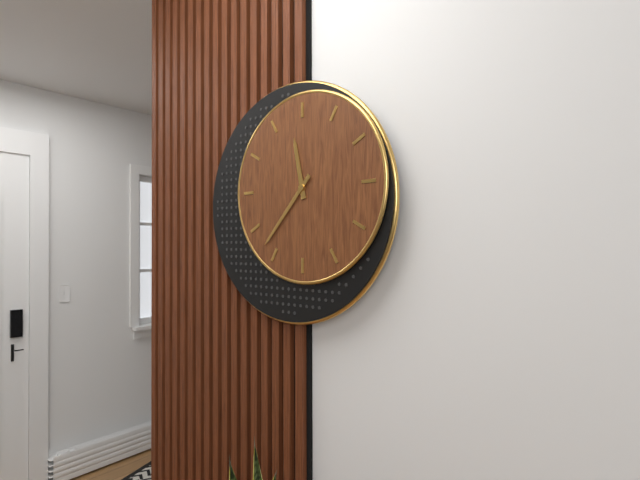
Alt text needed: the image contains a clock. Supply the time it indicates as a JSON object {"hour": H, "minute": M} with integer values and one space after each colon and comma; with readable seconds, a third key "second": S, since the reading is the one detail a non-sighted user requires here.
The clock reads {"hour": 11, "minute": 37}
